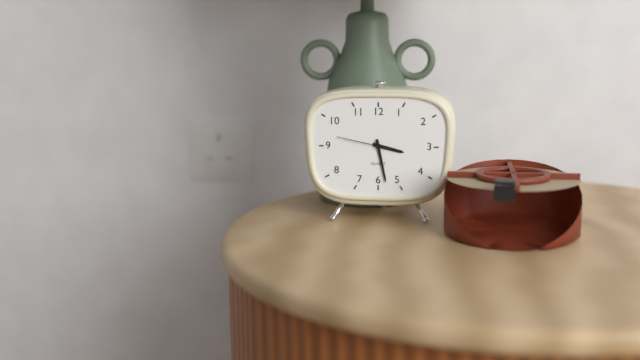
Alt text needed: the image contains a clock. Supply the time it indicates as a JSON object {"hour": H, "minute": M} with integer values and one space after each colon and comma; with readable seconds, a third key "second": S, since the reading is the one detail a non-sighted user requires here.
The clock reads {"hour": 3, "minute": 28, "second": 47}
